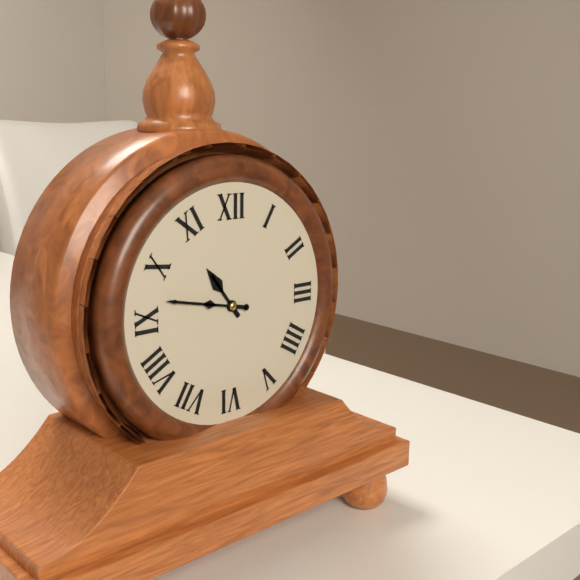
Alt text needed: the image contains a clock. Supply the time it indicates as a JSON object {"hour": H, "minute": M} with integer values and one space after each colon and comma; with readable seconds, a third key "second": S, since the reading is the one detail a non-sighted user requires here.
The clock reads {"hour": 10, "minute": 47}
